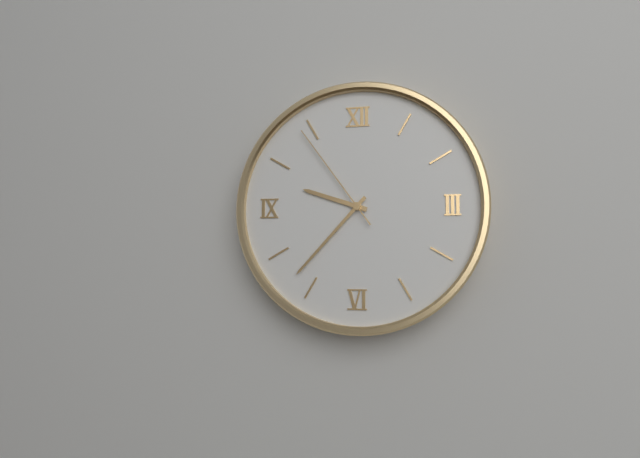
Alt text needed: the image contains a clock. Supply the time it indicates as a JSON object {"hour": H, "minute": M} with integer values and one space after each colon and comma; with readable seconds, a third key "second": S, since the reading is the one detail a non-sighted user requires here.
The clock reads {"hour": 9, "minute": 37, "second": 54}
